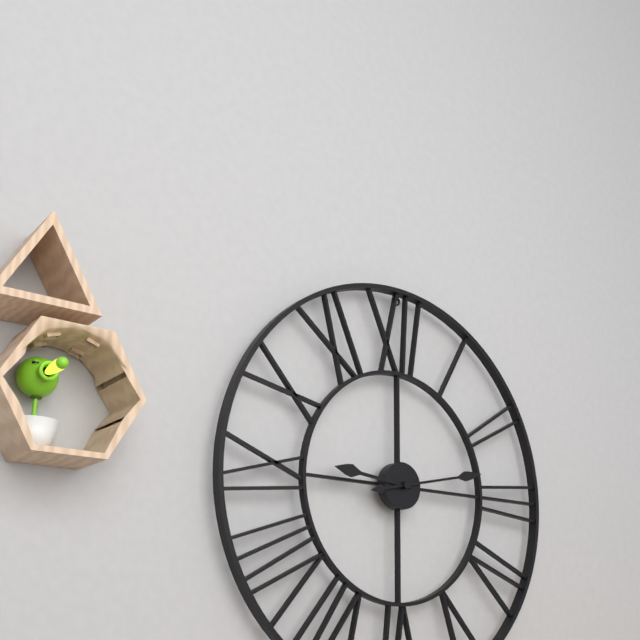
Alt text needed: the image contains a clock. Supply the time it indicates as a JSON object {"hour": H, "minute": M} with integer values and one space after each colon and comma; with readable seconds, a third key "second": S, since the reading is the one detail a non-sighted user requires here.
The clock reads {"hour": 9, "minute": 13}
